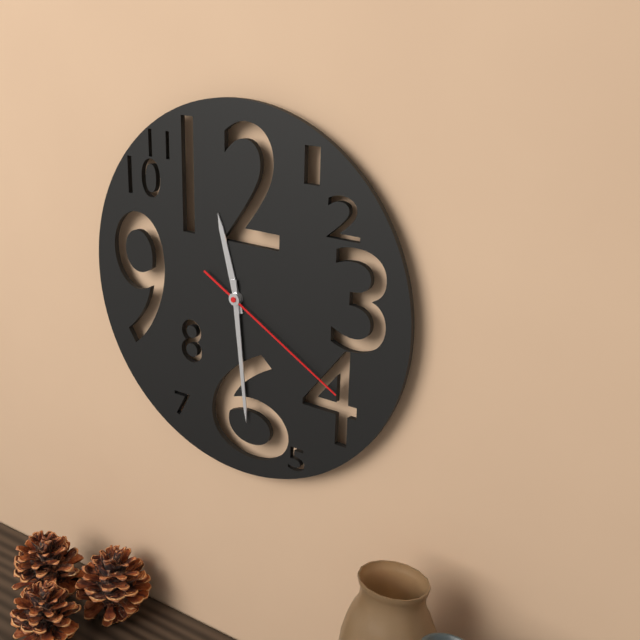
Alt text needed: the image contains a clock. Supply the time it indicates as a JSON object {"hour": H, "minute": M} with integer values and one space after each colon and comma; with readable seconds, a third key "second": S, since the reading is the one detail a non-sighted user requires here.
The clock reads {"hour": 11, "minute": 29, "second": 20}
